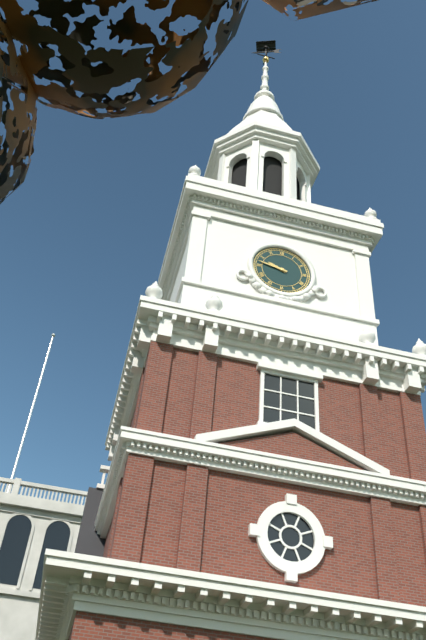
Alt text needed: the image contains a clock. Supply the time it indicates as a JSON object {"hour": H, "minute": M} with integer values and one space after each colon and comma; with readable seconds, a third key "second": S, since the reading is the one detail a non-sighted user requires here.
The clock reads {"hour": 9, "minute": 47}
